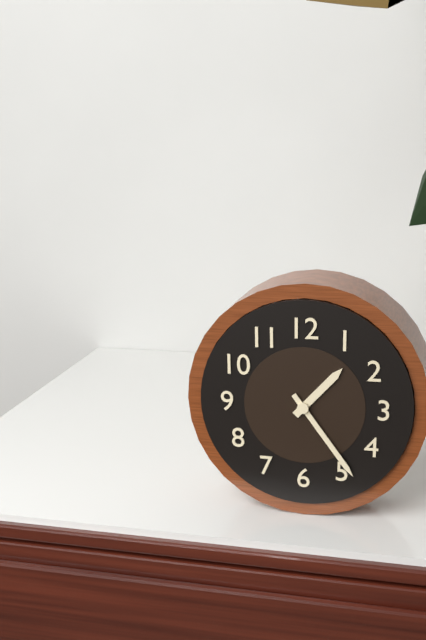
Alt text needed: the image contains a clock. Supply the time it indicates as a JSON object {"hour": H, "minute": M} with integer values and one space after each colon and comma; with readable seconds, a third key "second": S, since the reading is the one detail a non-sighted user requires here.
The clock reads {"hour": 1, "minute": 24}
